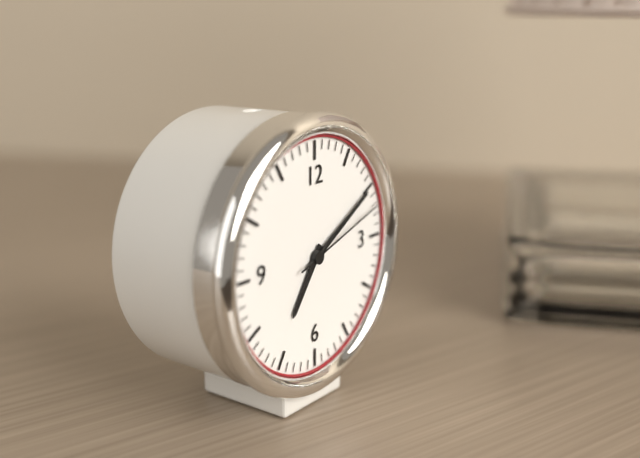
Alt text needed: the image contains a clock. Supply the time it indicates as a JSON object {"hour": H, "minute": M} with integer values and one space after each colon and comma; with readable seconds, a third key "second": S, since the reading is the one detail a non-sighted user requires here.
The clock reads {"hour": 7, "minute": 10, "second": 12}
